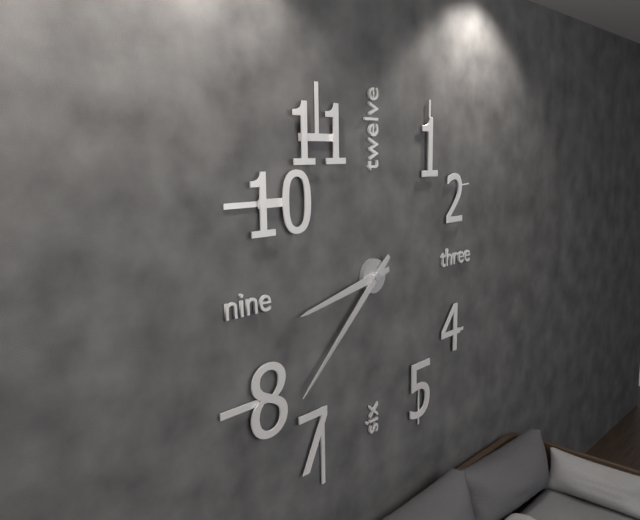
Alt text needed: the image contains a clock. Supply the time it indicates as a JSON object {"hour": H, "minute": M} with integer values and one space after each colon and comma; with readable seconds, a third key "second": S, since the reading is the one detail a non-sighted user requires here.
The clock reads {"hour": 8, "minute": 38}
